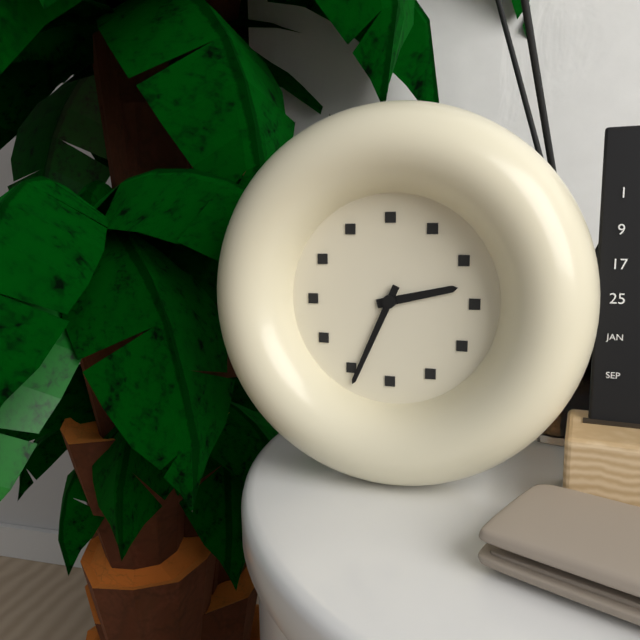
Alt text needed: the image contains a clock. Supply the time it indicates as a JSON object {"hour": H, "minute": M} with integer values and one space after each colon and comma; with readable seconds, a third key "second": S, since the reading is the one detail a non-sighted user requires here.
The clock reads {"hour": 2, "minute": 34}
